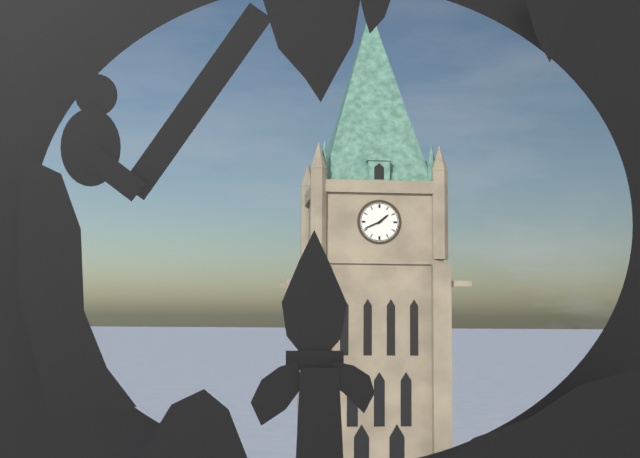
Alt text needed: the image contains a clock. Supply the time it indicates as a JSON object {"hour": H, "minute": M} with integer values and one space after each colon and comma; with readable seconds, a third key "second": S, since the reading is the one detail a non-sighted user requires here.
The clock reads {"hour": 1, "minute": 41}
